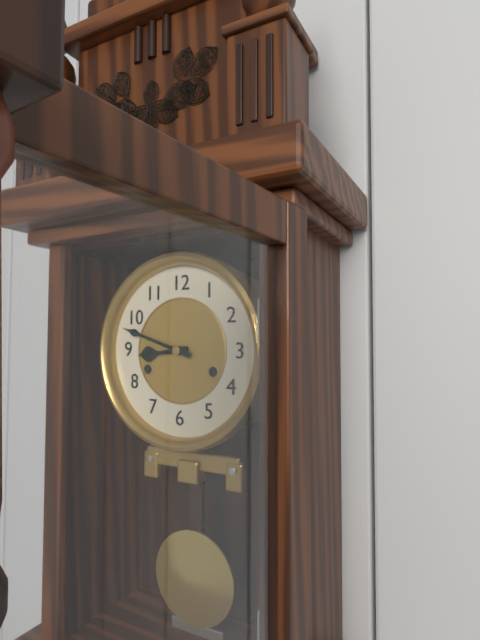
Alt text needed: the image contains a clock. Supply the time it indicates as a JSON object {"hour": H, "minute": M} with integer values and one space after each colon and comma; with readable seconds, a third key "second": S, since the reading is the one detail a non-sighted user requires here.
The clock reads {"hour": 8, "minute": 48}
